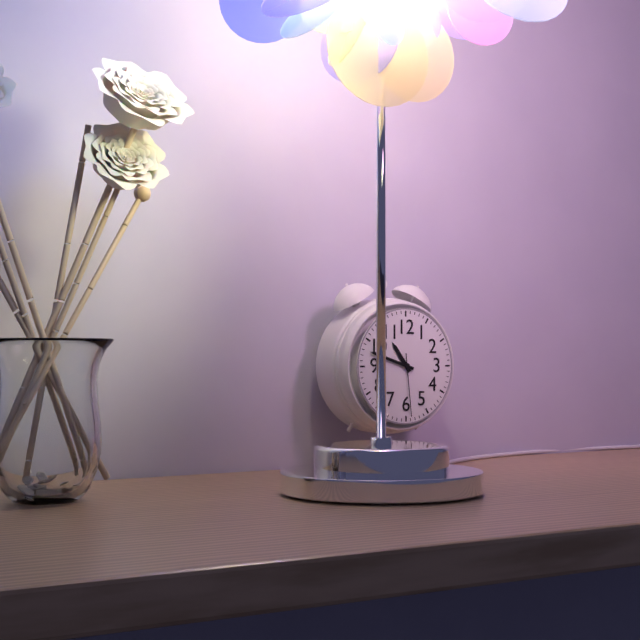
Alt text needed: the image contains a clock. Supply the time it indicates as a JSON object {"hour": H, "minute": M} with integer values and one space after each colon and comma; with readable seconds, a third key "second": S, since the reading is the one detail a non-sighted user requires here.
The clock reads {"hour": 10, "minute": 48, "second": 29}
